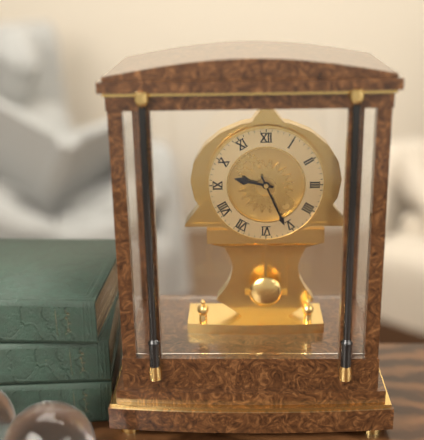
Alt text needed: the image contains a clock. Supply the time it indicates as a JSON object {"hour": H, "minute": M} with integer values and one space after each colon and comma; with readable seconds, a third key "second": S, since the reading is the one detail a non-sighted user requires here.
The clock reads {"hour": 9, "minute": 26}
